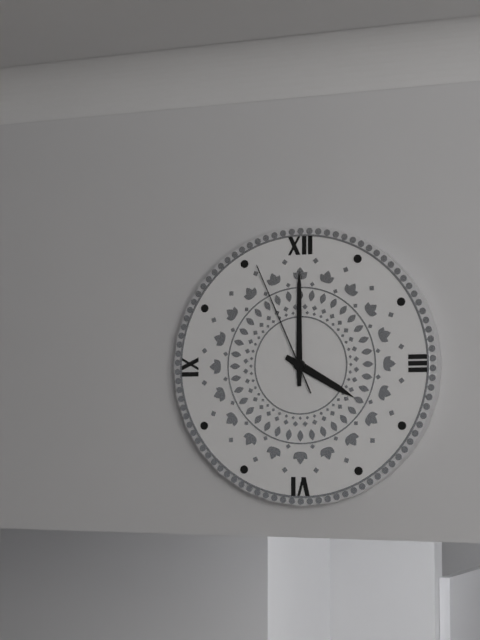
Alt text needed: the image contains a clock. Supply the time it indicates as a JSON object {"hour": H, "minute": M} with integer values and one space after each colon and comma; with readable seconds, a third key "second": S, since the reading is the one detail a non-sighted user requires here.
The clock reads {"hour": 4, "minute": 0, "second": 56}
